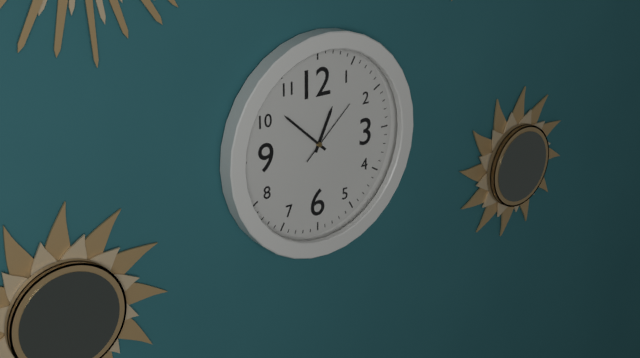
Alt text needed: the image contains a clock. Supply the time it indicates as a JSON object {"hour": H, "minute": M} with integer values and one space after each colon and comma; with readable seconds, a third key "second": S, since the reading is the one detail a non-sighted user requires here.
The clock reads {"hour": 12, "minute": 52, "second": 8}
